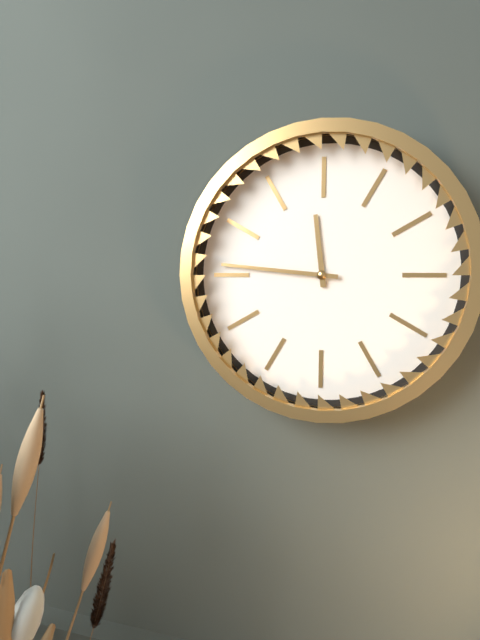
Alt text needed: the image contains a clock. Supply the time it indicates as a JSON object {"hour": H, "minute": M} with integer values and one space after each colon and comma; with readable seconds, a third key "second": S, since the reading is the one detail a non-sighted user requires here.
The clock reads {"hour": 11, "minute": 46}
